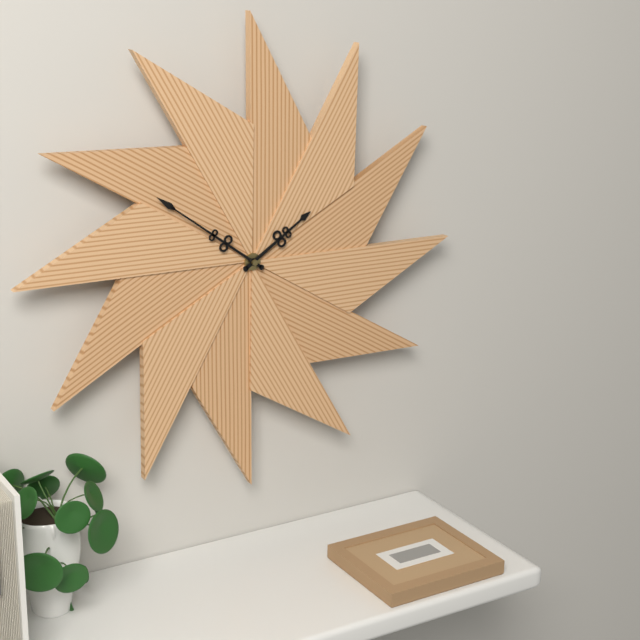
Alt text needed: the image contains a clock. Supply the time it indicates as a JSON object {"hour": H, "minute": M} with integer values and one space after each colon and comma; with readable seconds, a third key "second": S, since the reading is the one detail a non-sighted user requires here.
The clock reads {"hour": 1, "minute": 51}
